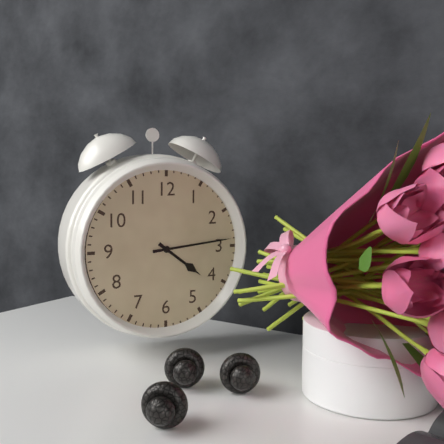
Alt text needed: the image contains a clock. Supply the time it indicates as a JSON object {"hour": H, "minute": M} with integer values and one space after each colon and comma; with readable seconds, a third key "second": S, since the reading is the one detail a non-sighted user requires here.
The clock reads {"hour": 4, "minute": 14}
